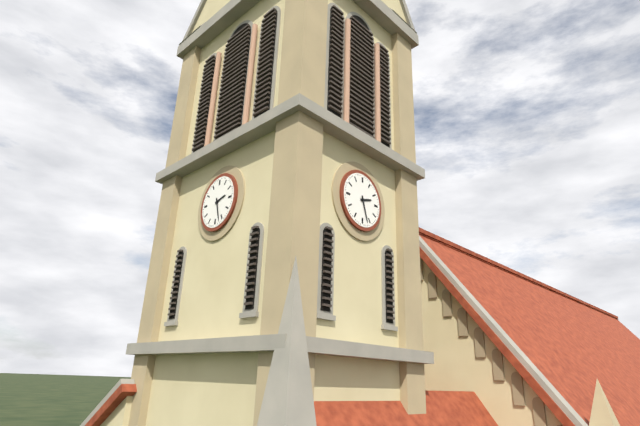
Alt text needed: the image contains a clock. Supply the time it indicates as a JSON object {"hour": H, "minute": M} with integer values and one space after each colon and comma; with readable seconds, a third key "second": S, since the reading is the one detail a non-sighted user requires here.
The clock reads {"hour": 2, "minute": 27}
